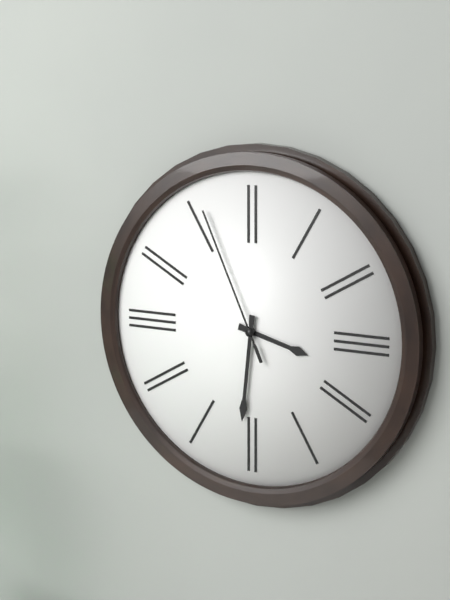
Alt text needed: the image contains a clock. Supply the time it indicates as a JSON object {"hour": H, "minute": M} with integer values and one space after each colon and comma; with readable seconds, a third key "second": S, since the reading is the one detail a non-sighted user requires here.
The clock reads {"hour": 3, "minute": 31, "second": 56}
